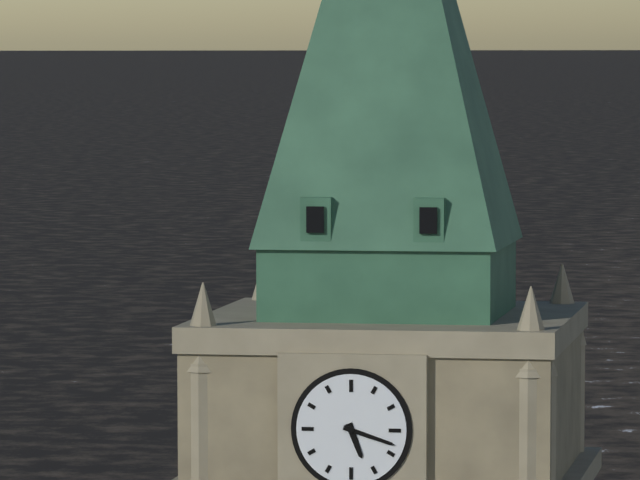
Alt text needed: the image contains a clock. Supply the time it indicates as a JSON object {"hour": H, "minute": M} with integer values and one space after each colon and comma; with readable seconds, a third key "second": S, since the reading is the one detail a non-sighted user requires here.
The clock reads {"hour": 5, "minute": 18}
